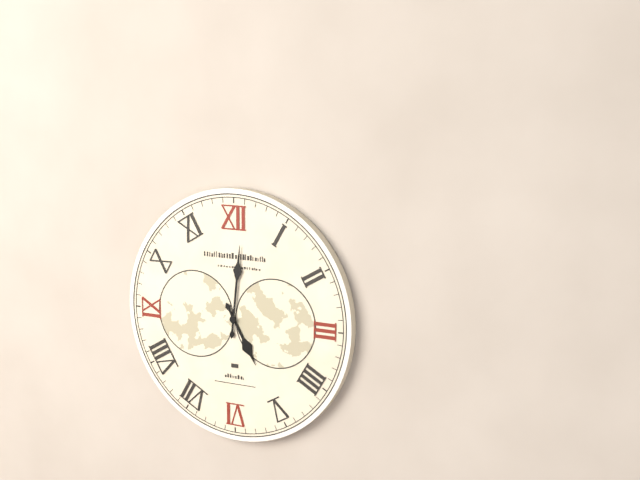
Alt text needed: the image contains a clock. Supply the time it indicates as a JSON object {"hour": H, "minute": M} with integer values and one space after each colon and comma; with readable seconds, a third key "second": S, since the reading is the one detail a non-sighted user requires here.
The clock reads {"hour": 5, "minute": 1}
